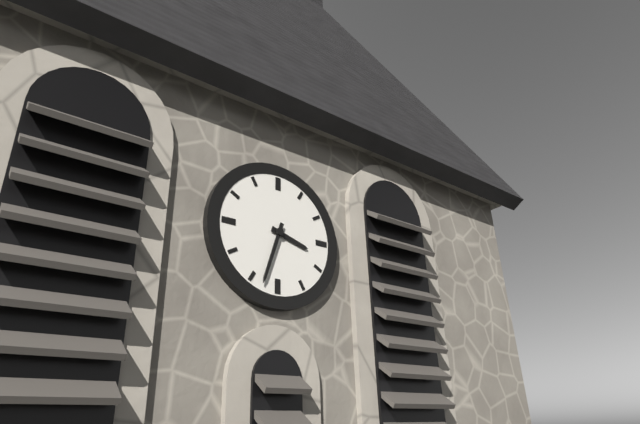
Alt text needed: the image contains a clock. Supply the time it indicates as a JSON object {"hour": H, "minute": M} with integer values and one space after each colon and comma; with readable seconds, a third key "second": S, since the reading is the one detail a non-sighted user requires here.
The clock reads {"hour": 3, "minute": 33}
